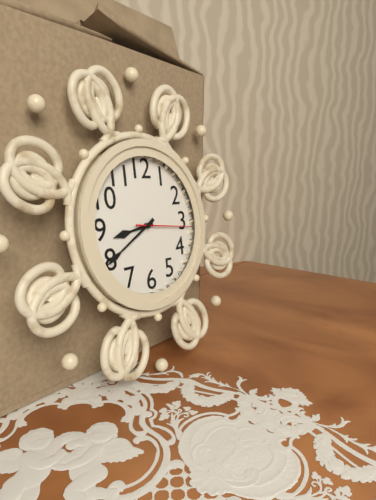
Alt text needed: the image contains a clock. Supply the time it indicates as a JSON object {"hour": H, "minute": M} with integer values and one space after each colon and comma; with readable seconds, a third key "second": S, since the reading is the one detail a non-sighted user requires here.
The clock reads {"hour": 8, "minute": 40, "second": 16}
